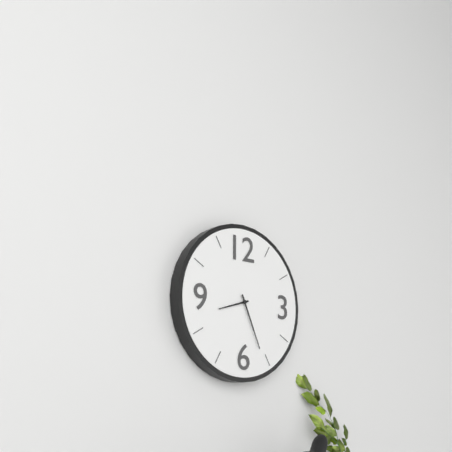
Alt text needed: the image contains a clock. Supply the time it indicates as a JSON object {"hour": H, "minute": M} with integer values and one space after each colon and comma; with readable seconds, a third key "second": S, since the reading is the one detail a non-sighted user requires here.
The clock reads {"hour": 8, "minute": 26}
